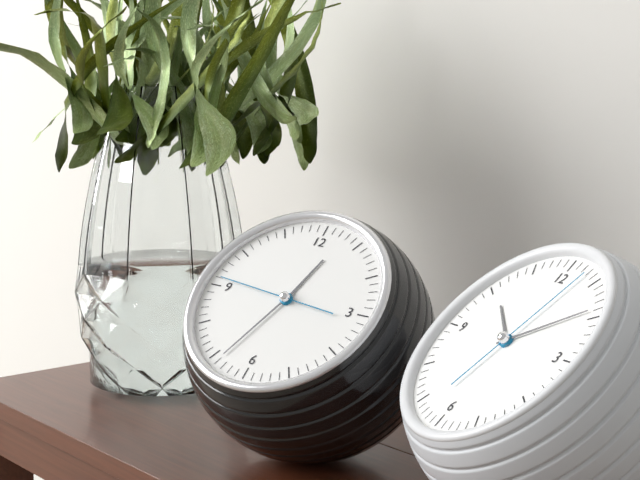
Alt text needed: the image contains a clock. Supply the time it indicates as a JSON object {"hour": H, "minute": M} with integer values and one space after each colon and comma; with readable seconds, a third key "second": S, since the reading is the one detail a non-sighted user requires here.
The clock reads {"hour": 12, "minute": 34, "second": 46}
